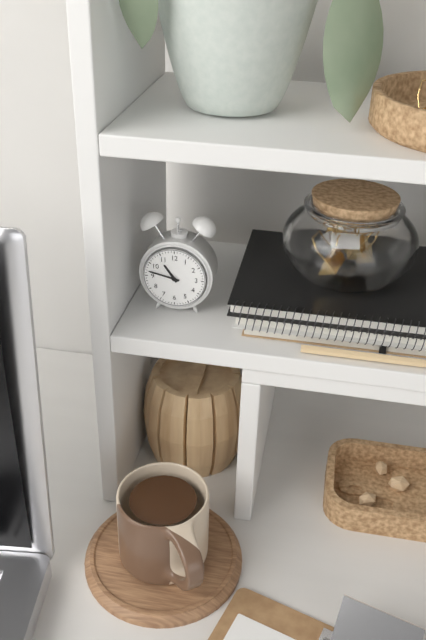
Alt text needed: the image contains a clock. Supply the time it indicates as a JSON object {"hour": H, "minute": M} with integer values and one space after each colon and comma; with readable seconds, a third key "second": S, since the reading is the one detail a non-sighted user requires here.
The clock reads {"hour": 10, "minute": 47}
